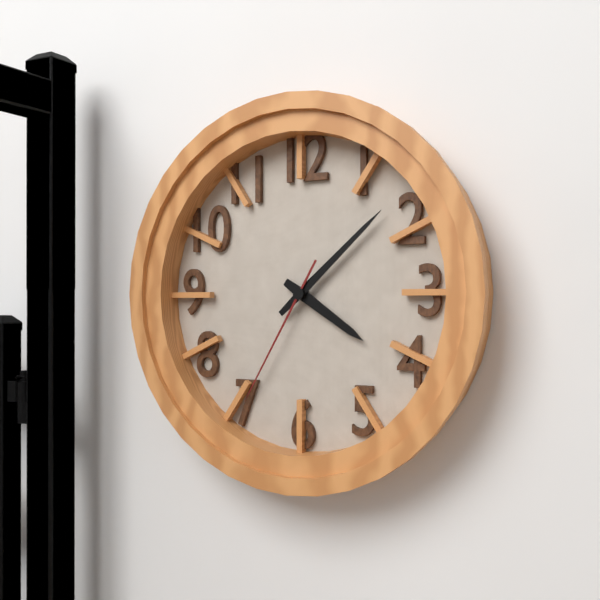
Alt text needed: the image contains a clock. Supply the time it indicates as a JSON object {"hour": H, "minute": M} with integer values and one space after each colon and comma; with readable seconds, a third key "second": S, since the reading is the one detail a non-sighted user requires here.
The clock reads {"hour": 4, "minute": 8, "second": 35}
